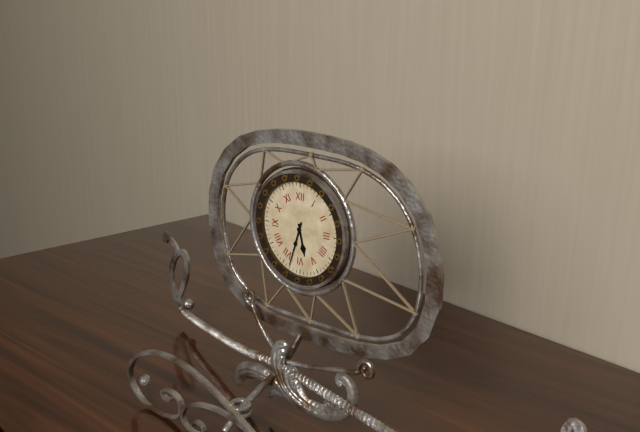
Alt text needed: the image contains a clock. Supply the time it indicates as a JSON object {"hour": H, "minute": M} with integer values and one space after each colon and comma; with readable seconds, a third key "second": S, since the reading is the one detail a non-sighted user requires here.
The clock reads {"hour": 5, "minute": 33}
